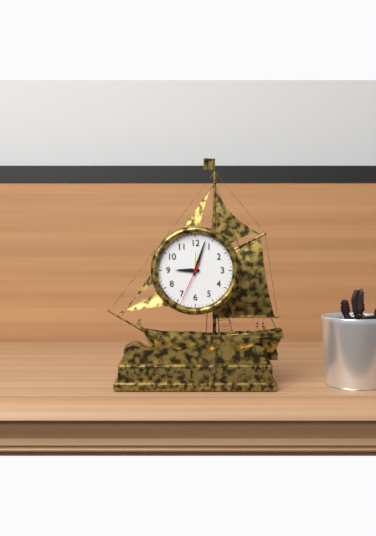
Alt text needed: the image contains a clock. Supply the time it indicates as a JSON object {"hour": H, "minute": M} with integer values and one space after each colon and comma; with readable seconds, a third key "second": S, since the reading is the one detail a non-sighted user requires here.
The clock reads {"hour": 9, "minute": 3}
